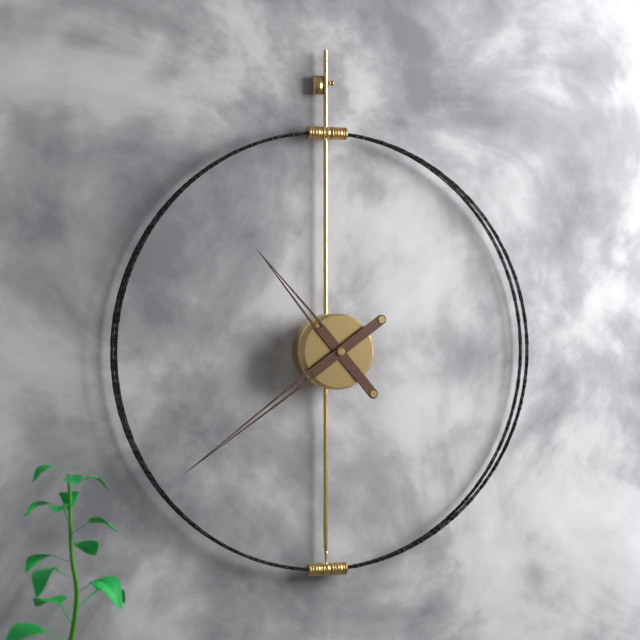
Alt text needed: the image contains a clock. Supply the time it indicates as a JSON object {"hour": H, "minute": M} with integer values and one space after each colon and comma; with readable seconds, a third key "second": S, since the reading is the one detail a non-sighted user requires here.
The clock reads {"hour": 10, "minute": 39}
